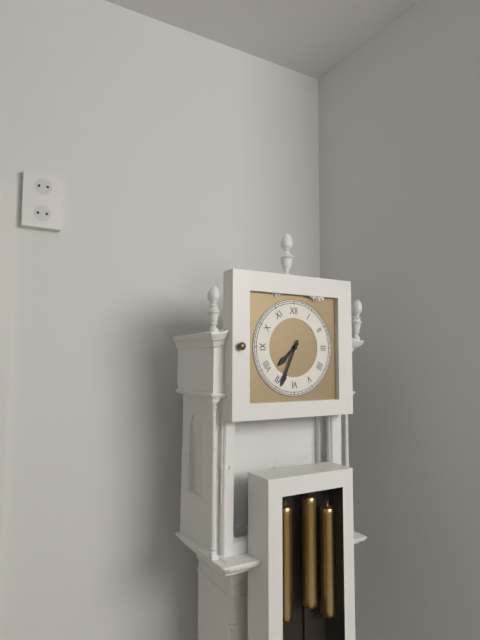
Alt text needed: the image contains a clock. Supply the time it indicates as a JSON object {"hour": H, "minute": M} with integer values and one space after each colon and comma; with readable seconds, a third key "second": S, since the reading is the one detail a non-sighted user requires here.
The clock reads {"hour": 7, "minute": 34}
